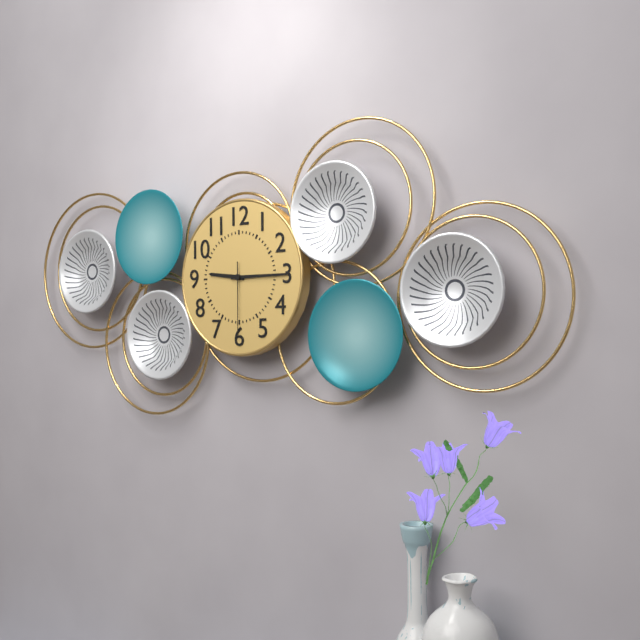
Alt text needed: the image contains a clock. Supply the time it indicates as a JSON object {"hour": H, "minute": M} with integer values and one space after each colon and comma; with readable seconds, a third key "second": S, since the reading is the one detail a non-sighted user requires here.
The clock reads {"hour": 9, "minute": 15, "second": 30}
